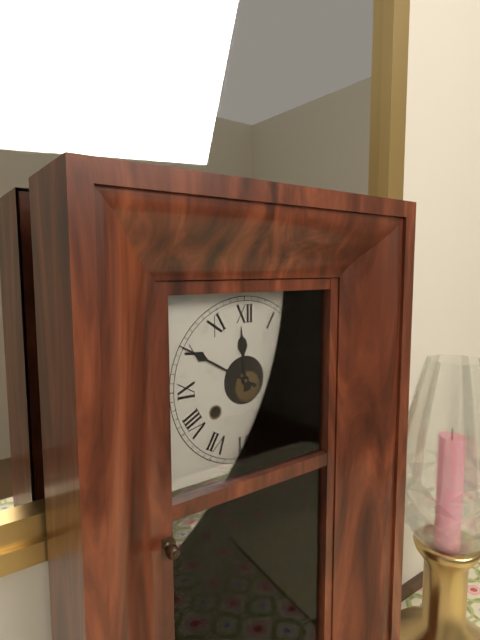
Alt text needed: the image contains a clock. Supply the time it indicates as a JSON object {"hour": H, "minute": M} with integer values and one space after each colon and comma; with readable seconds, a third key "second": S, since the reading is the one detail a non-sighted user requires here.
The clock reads {"hour": 11, "minute": 50}
